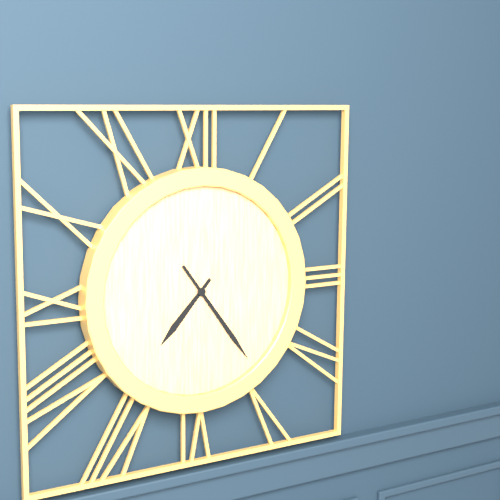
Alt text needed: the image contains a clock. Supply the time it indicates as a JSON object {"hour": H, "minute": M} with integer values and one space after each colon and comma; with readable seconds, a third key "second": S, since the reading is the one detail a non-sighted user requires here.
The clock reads {"hour": 7, "minute": 24}
